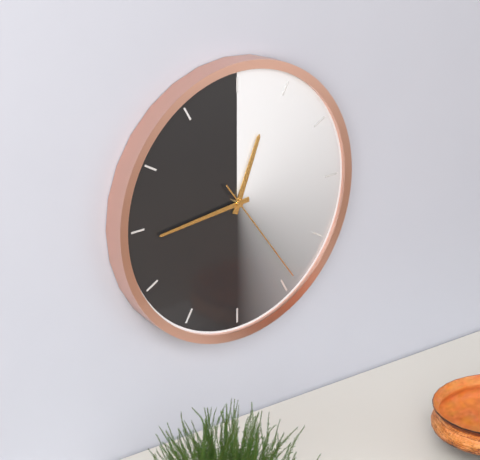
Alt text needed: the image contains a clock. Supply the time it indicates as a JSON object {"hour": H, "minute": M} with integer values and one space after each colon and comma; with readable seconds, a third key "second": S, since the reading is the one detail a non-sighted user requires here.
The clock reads {"hour": 12, "minute": 44, "second": 24}
